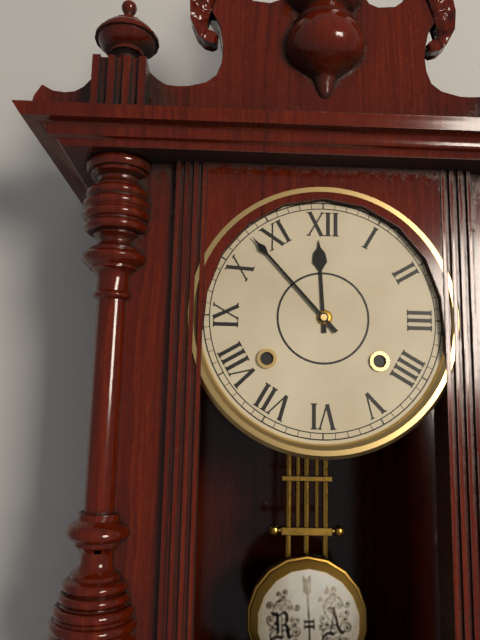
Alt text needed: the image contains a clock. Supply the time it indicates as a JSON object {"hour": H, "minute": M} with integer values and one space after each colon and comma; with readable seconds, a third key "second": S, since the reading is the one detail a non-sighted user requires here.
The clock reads {"hour": 11, "minute": 53}
